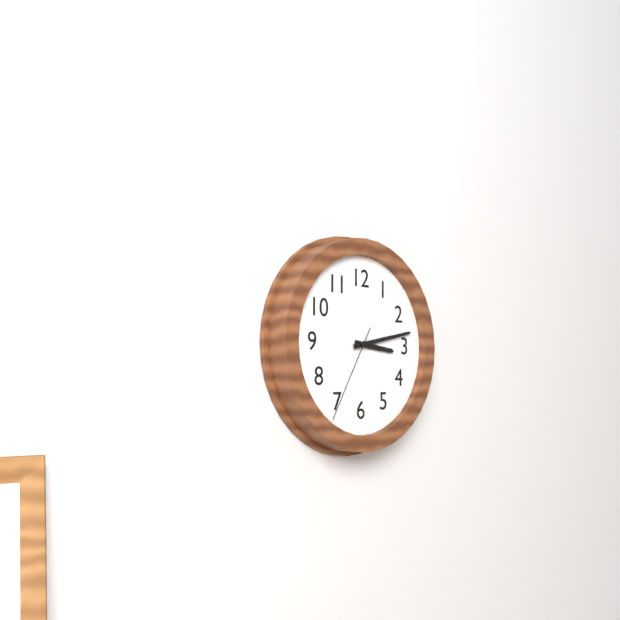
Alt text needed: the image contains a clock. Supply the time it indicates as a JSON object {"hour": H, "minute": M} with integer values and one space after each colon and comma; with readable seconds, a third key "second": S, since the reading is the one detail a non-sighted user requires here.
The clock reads {"hour": 3, "minute": 13, "second": 35}
